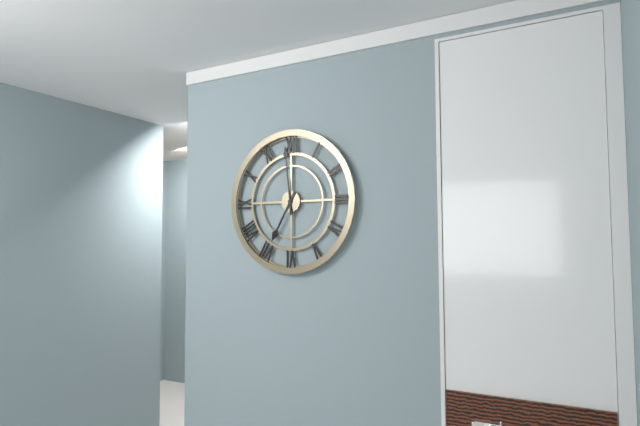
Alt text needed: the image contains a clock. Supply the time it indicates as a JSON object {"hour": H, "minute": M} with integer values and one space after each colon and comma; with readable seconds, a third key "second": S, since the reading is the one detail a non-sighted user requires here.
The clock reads {"hour": 6, "minute": 59}
